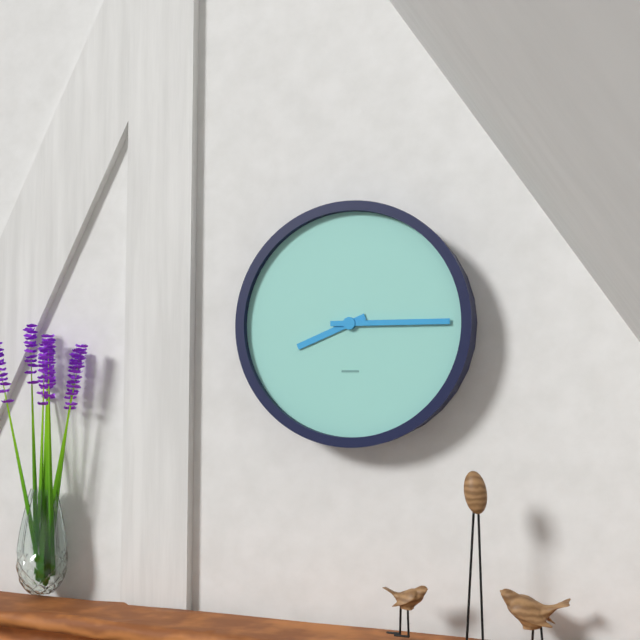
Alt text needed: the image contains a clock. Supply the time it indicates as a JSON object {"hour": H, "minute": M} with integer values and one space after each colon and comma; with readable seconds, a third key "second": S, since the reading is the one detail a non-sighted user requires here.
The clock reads {"hour": 8, "minute": 15}
